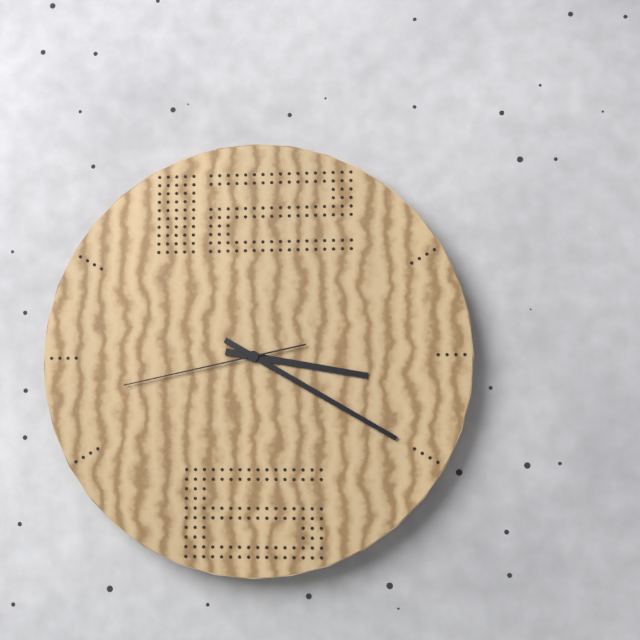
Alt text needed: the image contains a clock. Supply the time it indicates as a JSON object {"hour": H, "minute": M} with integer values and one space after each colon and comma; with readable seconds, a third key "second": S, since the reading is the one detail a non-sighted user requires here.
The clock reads {"hour": 3, "minute": 20, "second": 43}
